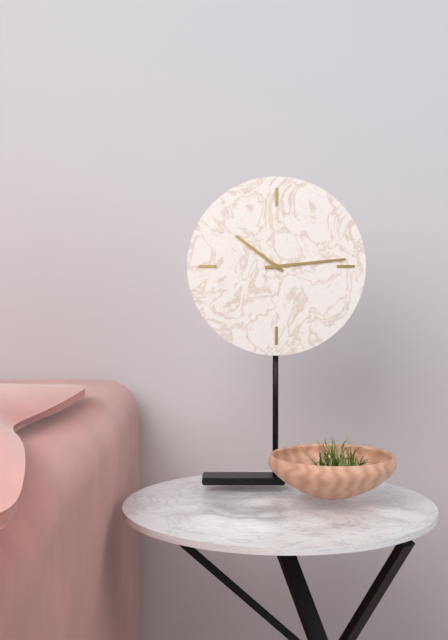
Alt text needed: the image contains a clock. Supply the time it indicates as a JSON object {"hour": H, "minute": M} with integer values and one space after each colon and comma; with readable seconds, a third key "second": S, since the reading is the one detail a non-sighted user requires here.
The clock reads {"hour": 10, "minute": 14}
